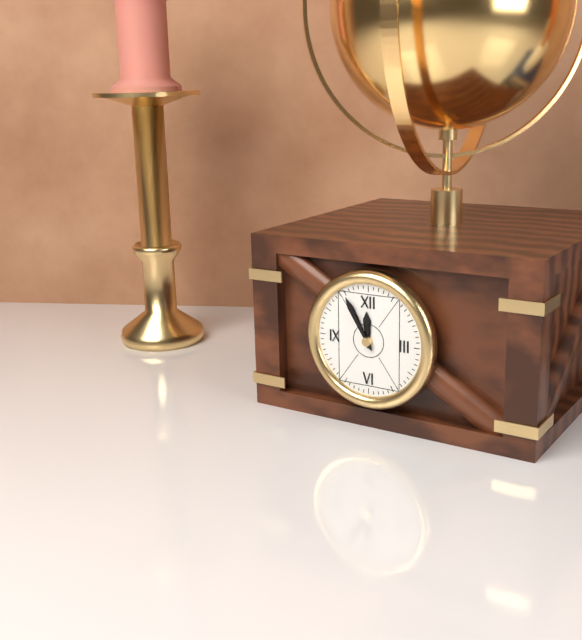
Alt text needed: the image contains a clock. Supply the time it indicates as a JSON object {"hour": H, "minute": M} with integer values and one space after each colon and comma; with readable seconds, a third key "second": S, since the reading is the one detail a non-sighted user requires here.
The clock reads {"hour": 11, "minute": 55}
